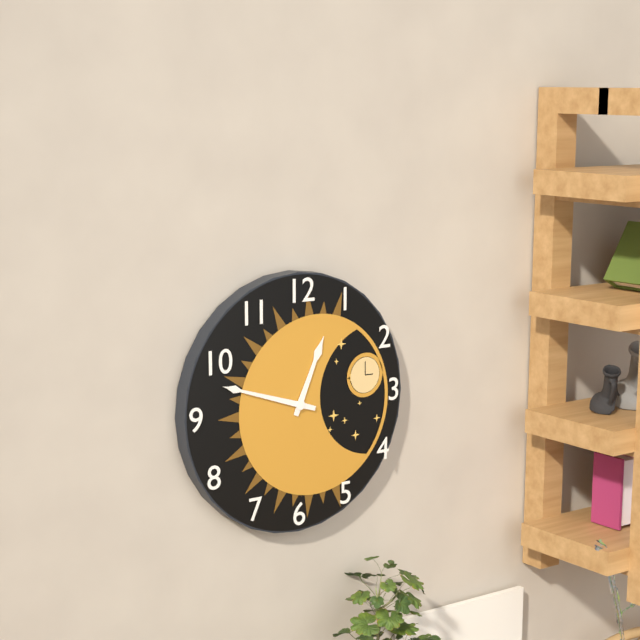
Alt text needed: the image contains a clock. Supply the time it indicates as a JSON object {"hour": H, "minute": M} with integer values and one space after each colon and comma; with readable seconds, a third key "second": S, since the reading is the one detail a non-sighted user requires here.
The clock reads {"hour": 12, "minute": 48}
